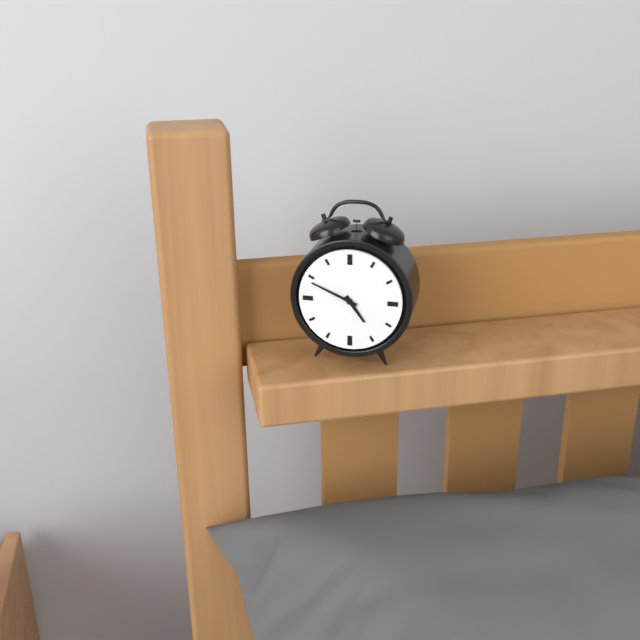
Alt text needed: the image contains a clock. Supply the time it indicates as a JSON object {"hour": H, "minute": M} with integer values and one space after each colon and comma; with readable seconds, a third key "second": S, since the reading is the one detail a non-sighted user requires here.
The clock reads {"hour": 4, "minute": 49}
